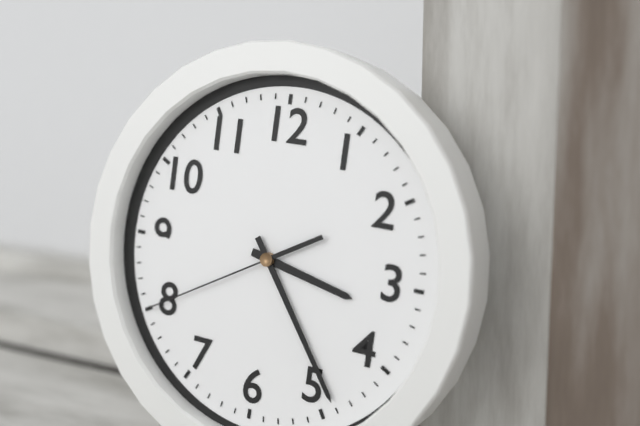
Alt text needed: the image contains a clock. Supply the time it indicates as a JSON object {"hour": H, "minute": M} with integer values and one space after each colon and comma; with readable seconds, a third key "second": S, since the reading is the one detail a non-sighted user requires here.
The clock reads {"hour": 3, "minute": 24, "second": 40}
